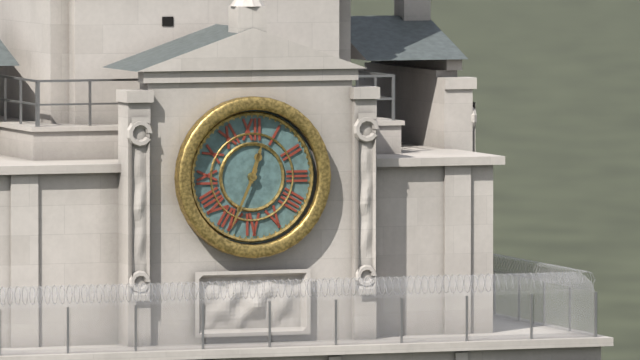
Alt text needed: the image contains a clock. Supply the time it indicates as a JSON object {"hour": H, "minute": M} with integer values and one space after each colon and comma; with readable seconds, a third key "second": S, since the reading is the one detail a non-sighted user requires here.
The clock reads {"hour": 12, "minute": 34}
